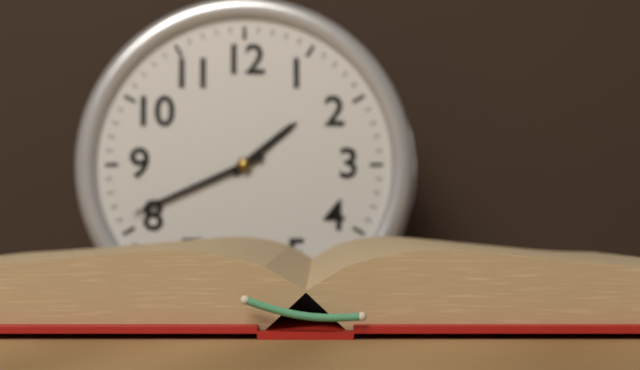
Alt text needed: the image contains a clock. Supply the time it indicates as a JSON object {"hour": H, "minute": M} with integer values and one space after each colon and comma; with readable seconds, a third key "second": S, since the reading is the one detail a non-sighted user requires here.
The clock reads {"hour": 1, "minute": 41}
